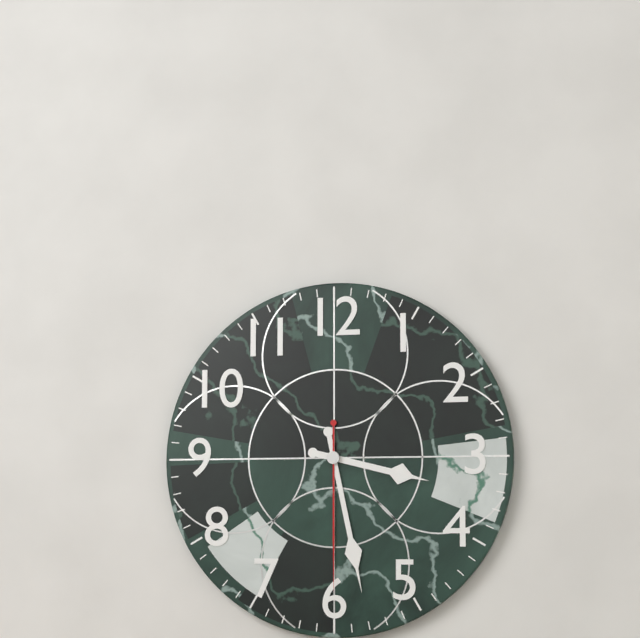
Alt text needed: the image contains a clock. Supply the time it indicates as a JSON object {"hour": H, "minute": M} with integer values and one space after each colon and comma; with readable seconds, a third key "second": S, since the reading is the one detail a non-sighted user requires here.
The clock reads {"hour": 3, "minute": 28, "second": 30}
